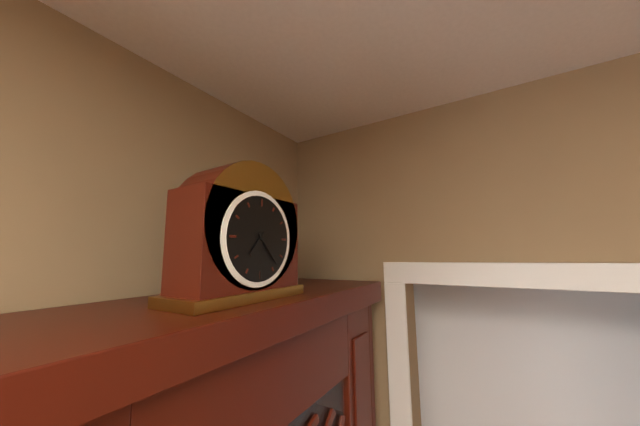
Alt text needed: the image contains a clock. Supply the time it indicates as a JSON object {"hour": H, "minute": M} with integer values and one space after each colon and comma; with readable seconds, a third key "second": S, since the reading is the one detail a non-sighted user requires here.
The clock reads {"hour": 7, "minute": 23}
